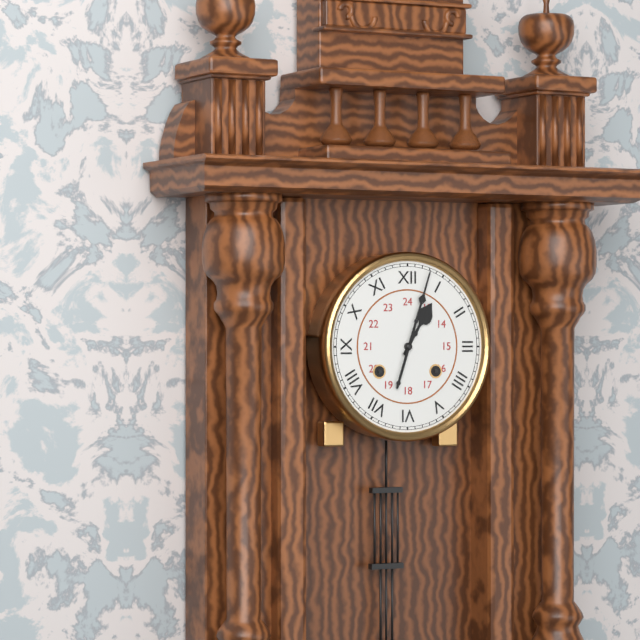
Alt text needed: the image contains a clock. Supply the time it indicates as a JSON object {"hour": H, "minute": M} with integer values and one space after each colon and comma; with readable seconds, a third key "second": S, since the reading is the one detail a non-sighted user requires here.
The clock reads {"hour": 1, "minute": 3}
